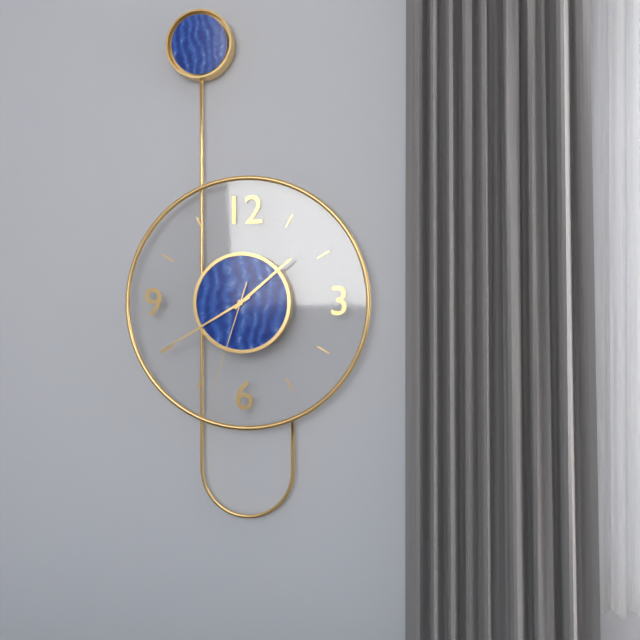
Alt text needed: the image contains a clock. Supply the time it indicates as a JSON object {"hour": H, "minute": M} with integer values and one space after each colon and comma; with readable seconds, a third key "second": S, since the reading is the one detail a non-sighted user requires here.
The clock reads {"hour": 1, "minute": 40, "second": 33}
